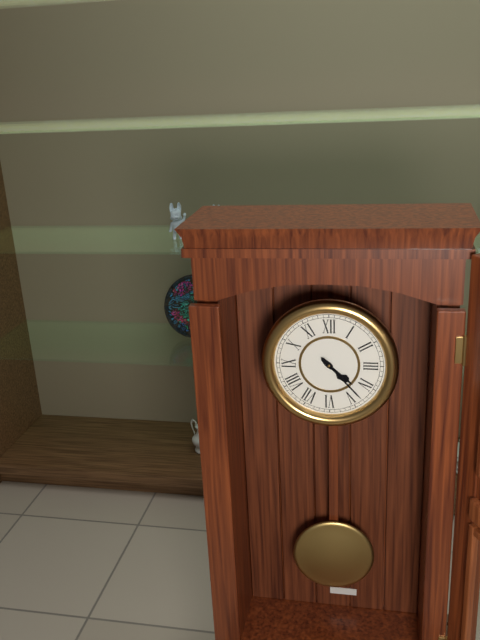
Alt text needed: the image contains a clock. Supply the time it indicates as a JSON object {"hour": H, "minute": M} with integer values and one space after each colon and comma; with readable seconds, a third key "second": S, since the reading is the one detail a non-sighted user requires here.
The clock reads {"hour": 4, "minute": 23}
